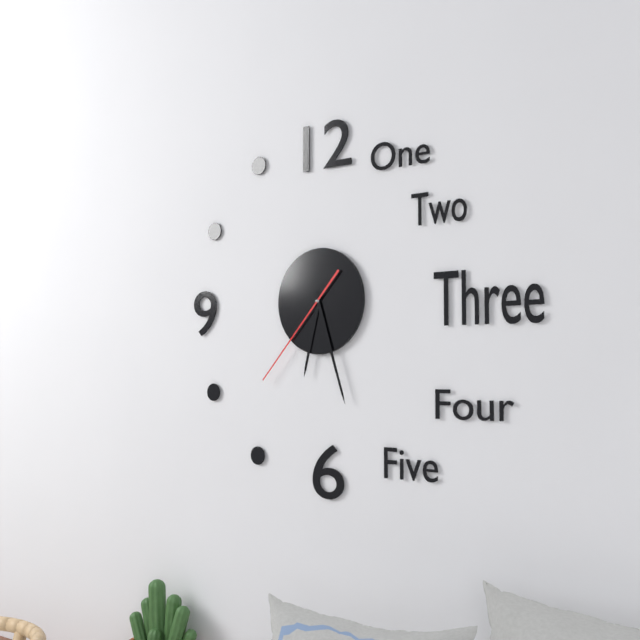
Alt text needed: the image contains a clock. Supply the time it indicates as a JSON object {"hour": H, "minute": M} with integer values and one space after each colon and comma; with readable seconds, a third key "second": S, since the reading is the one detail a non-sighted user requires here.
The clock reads {"hour": 6, "minute": 27, "second": 37}
